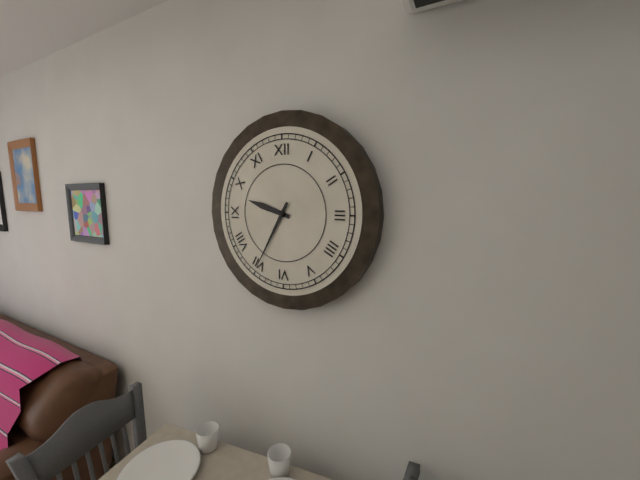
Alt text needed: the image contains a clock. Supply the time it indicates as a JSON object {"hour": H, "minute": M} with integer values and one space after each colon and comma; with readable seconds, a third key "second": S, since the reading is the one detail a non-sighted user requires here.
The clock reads {"hour": 9, "minute": 35}
